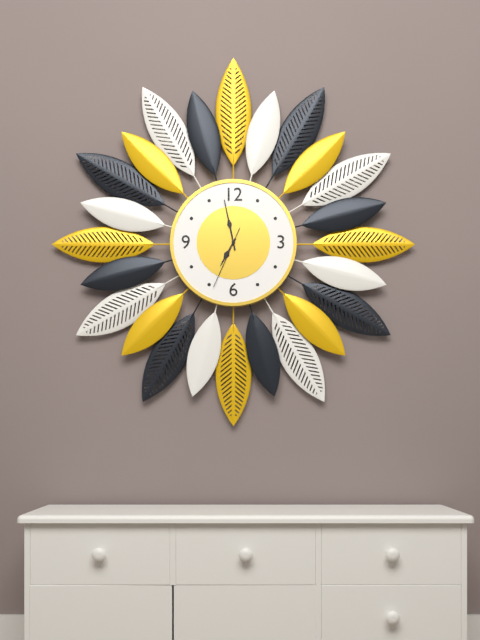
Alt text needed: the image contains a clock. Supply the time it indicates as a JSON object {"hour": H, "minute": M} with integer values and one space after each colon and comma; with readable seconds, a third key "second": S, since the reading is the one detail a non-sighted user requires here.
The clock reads {"hour": 6, "minute": 58, "second": 34}
